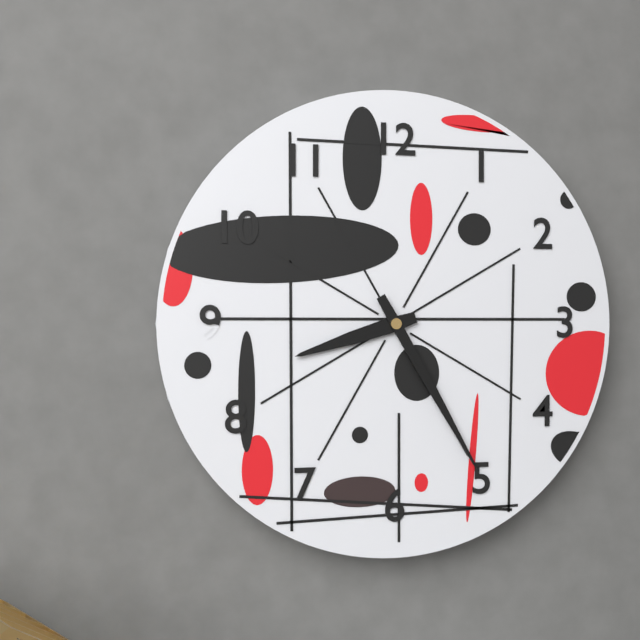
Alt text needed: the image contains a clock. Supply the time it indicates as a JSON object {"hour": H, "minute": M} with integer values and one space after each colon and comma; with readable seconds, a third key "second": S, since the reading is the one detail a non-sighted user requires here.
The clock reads {"hour": 8, "minute": 25}
